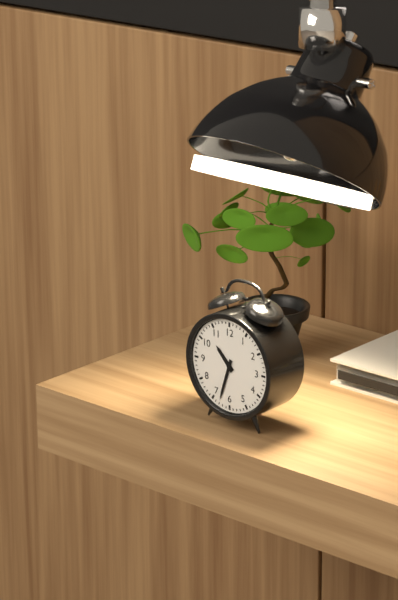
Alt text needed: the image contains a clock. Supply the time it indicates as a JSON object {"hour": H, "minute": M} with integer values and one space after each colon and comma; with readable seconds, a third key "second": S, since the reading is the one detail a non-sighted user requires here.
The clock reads {"hour": 10, "minute": 33}
